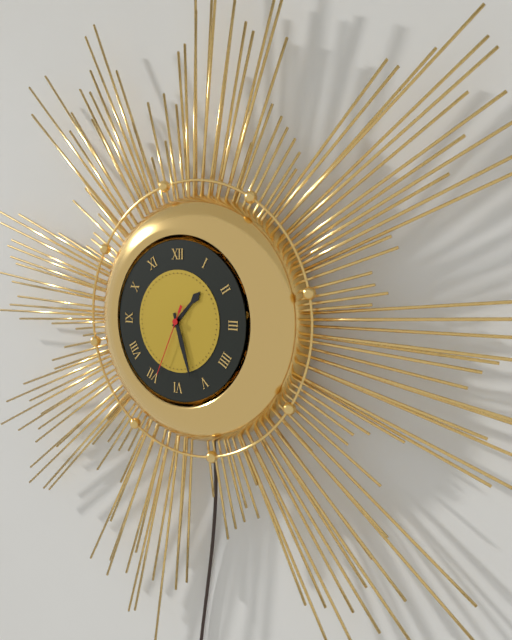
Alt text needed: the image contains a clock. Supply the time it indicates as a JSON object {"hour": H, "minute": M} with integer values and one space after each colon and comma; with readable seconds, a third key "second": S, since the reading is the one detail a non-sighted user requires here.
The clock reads {"hour": 1, "minute": 27, "second": 34}
